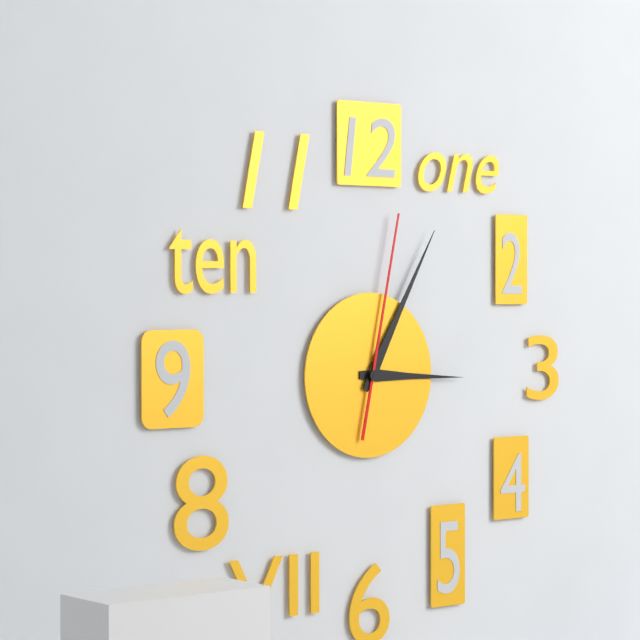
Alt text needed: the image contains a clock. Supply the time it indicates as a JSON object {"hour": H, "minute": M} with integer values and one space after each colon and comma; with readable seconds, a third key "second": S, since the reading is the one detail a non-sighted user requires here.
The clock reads {"hour": 3, "minute": 5, "second": 2}
